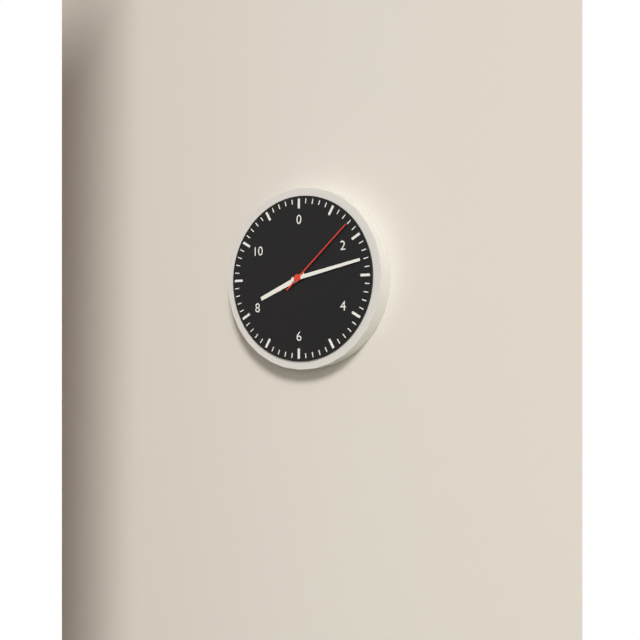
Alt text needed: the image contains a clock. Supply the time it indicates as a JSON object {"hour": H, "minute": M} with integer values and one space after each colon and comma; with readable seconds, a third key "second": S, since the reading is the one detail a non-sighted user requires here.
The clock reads {"hour": 8, "minute": 13, "second": 8}
